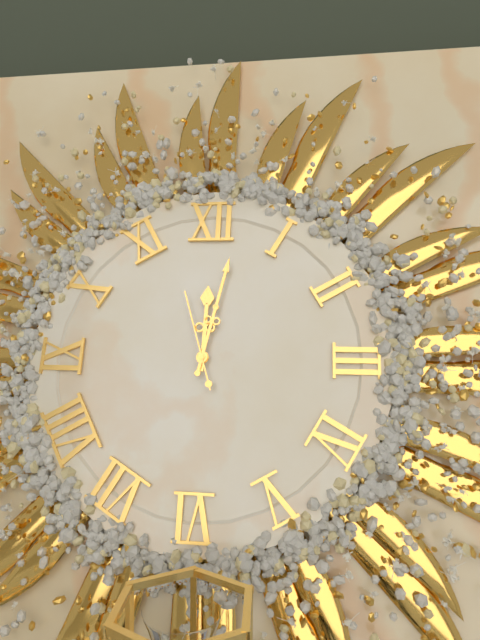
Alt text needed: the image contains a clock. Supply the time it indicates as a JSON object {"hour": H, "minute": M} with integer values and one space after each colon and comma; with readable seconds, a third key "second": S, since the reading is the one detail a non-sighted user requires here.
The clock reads {"hour": 12, "minute": 2, "second": 57}
